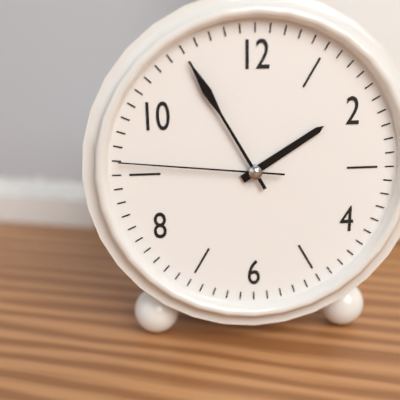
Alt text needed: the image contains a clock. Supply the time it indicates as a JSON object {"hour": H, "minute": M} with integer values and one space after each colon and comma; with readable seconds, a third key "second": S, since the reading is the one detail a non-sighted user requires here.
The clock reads {"hour": 1, "minute": 55, "second": 46}
